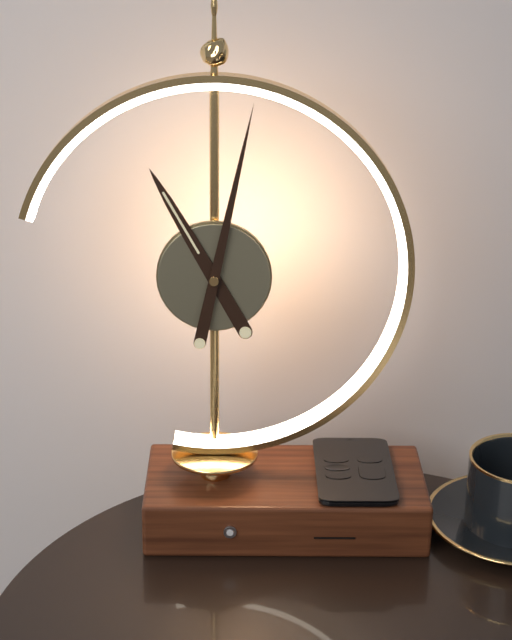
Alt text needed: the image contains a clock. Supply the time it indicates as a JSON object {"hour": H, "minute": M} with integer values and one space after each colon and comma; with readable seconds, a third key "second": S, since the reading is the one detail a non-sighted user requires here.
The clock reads {"hour": 11, "minute": 2}
